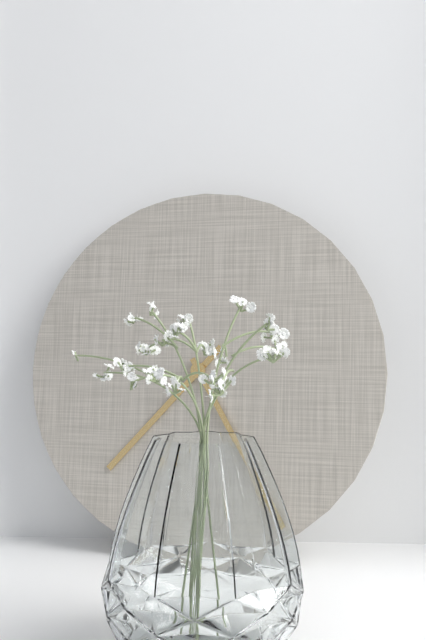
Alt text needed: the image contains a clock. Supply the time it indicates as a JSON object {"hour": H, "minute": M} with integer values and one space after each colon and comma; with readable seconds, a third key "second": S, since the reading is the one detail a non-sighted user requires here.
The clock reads {"hour": 7, "minute": 25}
